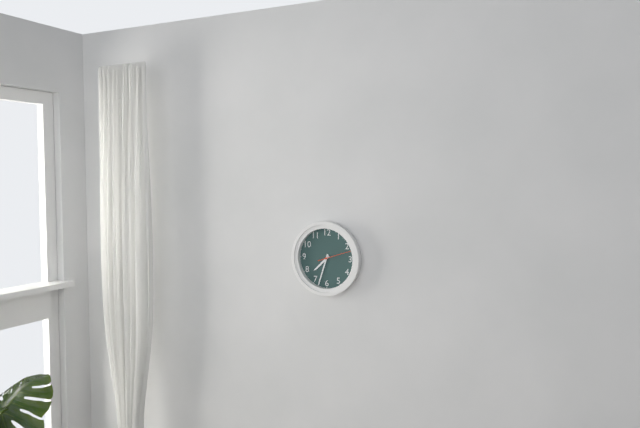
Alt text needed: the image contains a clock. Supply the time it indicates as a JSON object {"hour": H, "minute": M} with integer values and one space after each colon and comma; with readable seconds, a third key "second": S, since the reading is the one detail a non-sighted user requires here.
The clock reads {"hour": 7, "minute": 33}
